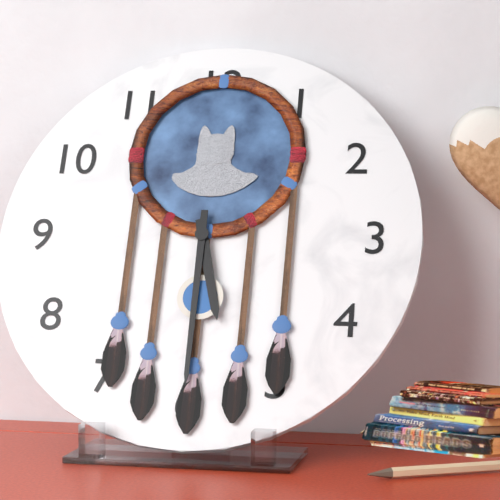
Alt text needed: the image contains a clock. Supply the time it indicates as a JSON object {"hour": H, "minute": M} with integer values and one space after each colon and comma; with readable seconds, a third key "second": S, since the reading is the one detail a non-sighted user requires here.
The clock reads {"hour": 5, "minute": 30}
